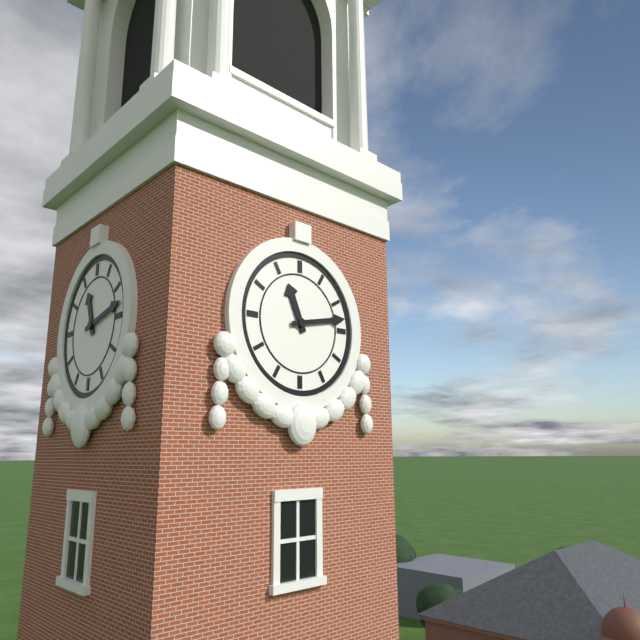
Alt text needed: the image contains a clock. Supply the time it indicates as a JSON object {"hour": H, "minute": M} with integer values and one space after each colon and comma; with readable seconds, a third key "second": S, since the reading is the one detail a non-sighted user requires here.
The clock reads {"hour": 11, "minute": 13}
